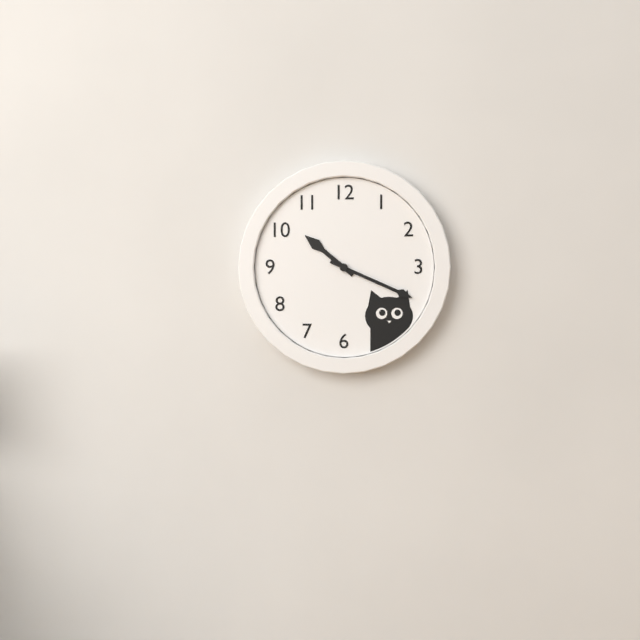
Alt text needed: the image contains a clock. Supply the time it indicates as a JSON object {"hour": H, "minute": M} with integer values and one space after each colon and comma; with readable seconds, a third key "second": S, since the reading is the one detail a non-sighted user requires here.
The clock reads {"hour": 10, "minute": 19}
